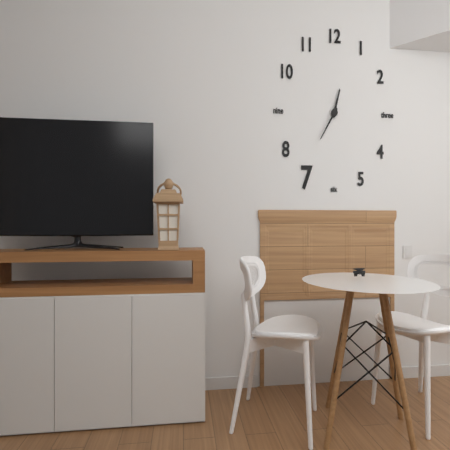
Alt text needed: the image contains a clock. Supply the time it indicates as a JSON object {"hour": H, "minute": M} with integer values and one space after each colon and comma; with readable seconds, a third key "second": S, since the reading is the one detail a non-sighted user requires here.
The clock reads {"hour": 12, "minute": 36}
